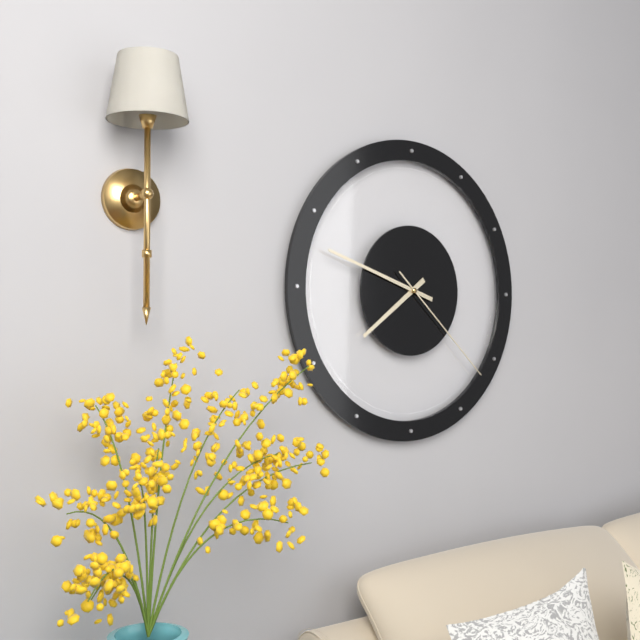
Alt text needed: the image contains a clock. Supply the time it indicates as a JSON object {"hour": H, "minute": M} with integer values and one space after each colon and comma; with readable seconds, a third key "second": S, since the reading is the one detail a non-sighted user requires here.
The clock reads {"hour": 7, "minute": 48, "second": 22}
